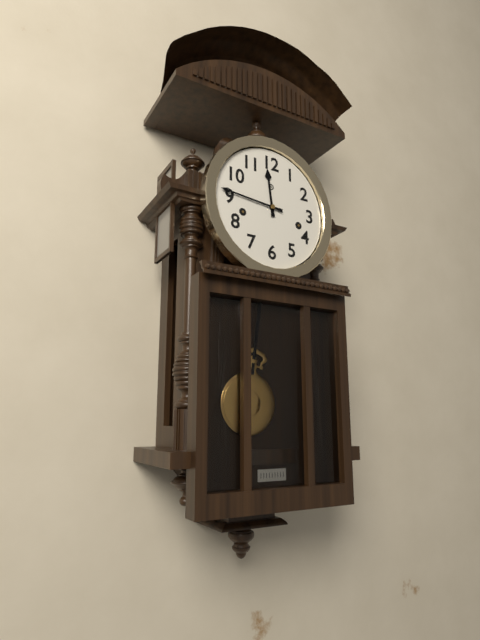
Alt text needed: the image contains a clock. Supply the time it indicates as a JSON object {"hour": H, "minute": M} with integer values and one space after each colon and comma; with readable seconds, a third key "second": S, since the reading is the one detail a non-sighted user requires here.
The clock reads {"hour": 11, "minute": 46}
